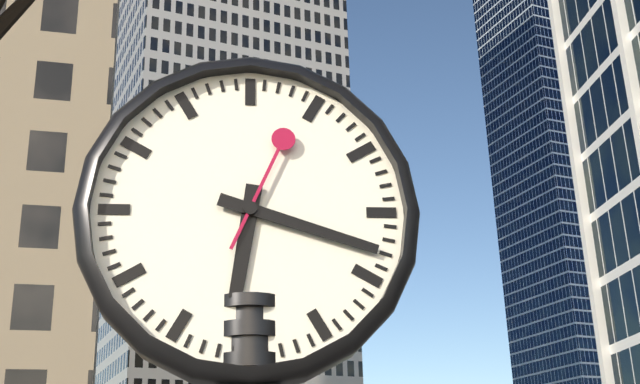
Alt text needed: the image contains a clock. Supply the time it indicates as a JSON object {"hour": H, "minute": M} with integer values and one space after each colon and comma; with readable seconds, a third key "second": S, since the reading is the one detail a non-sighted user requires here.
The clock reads {"hour": 6, "minute": 18, "second": 4}
